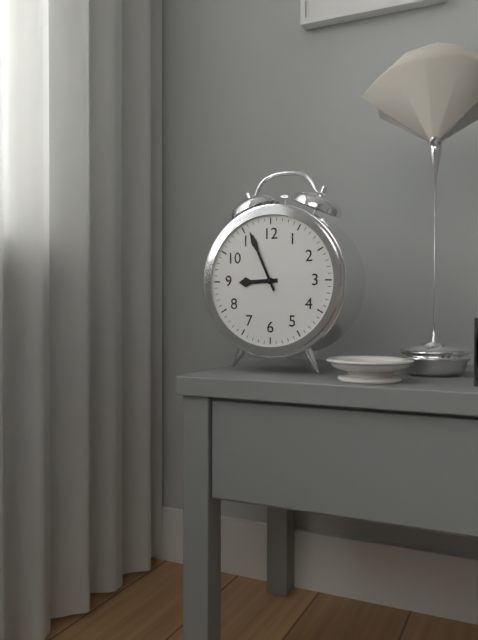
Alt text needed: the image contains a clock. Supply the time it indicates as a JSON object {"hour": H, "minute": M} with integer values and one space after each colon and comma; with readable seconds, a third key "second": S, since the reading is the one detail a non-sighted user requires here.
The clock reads {"hour": 8, "minute": 56}
